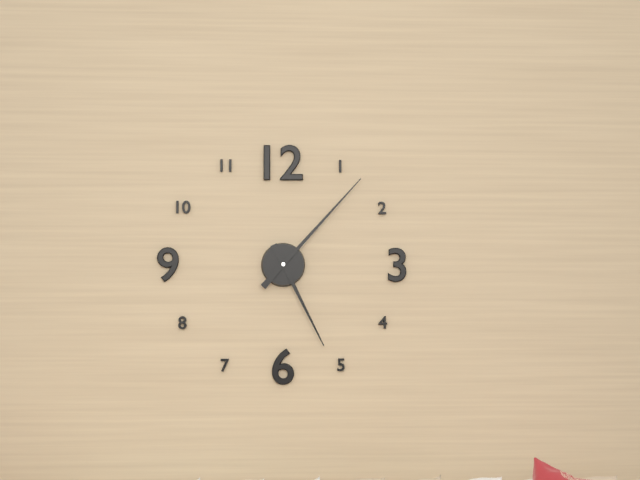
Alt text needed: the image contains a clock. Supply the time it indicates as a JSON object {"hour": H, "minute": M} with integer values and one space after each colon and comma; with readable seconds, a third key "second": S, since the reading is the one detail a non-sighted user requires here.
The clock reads {"hour": 5, "minute": 7}
